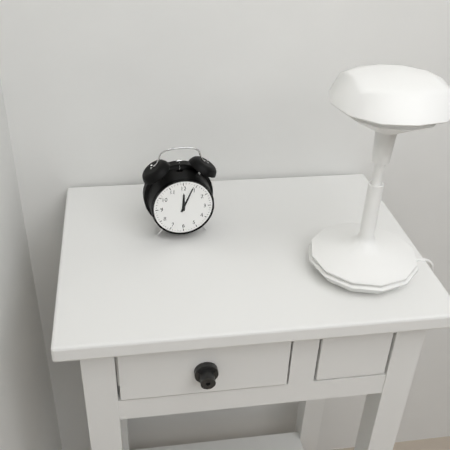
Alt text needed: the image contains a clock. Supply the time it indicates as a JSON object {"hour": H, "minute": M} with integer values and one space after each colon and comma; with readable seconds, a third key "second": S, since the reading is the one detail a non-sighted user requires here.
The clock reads {"hour": 12, "minute": 4}
